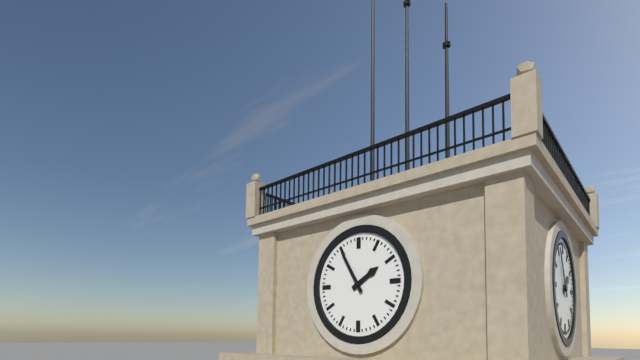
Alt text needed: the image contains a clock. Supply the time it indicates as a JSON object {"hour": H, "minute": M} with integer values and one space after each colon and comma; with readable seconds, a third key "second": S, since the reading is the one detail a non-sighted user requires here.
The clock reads {"hour": 1, "minute": 55}
